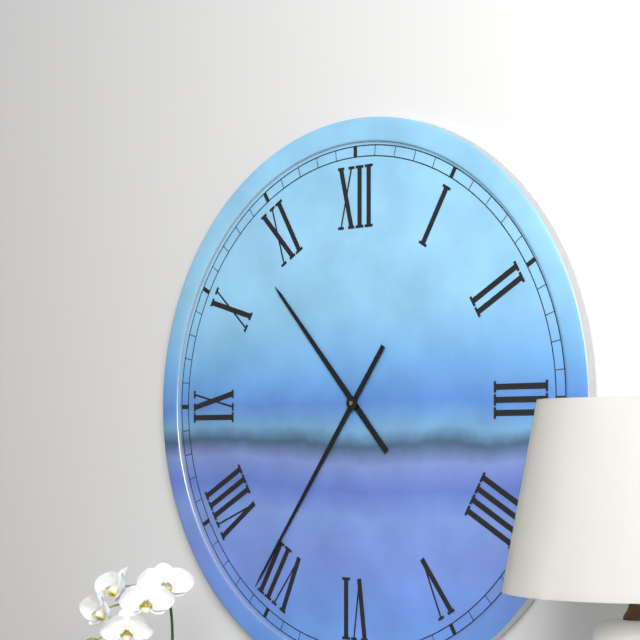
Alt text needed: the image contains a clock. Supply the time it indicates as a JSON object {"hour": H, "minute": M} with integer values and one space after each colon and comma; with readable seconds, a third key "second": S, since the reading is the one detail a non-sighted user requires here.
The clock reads {"hour": 10, "minute": 36}
